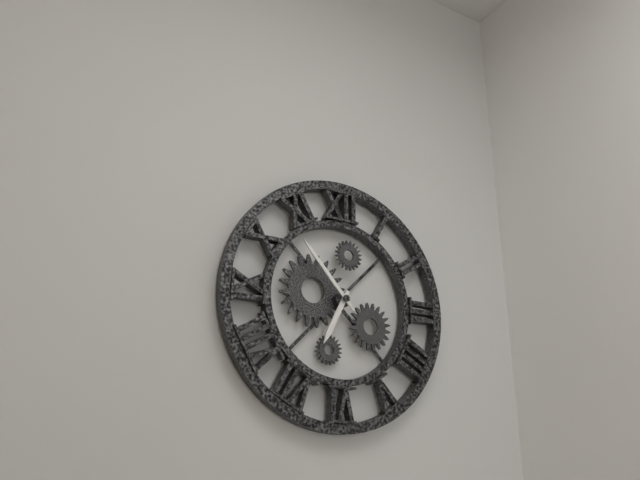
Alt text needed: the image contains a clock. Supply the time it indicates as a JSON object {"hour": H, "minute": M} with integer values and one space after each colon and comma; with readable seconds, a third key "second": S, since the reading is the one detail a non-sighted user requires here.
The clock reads {"hour": 6, "minute": 53}
